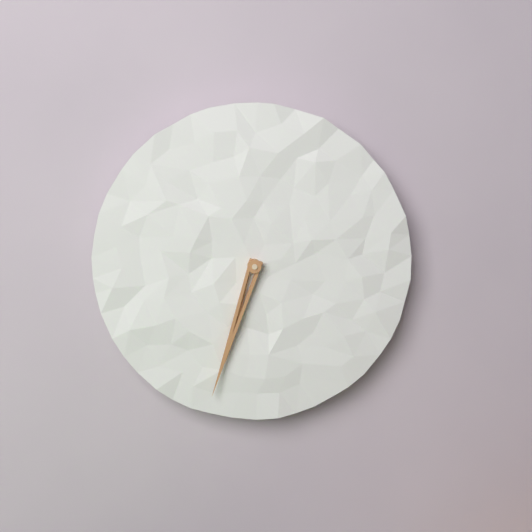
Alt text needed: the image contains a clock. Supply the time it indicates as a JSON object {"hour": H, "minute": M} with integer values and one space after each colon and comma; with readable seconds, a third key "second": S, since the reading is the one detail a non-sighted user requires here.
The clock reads {"hour": 6, "minute": 33}
